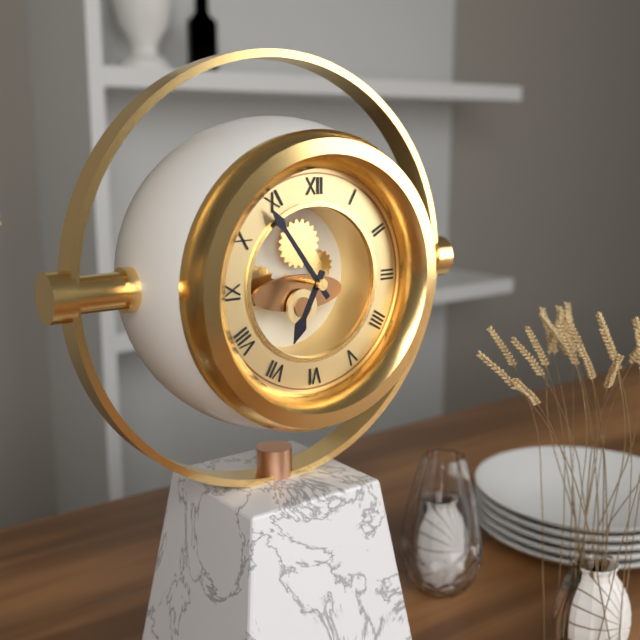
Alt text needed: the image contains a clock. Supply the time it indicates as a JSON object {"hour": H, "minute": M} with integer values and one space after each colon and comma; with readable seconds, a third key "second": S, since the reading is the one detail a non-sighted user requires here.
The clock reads {"hour": 6, "minute": 54}
